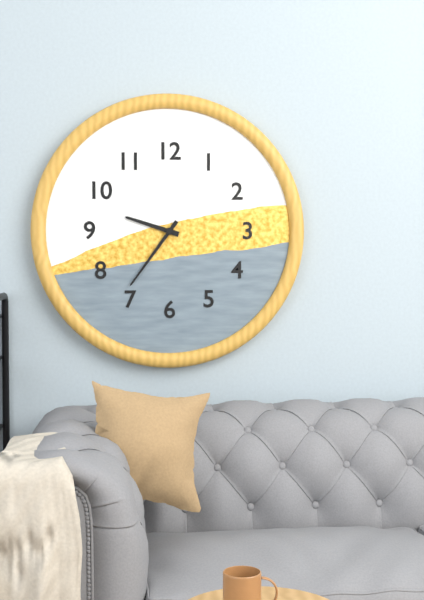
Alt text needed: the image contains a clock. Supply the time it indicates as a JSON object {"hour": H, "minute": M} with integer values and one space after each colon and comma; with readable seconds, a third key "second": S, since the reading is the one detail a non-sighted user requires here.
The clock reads {"hour": 9, "minute": 36}
